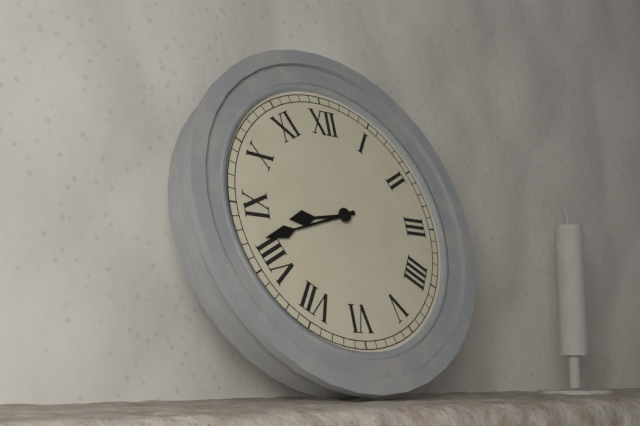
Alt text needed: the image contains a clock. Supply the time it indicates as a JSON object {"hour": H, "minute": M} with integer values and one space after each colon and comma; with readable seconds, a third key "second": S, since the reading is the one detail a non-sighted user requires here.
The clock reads {"hour": 8, "minute": 42}
